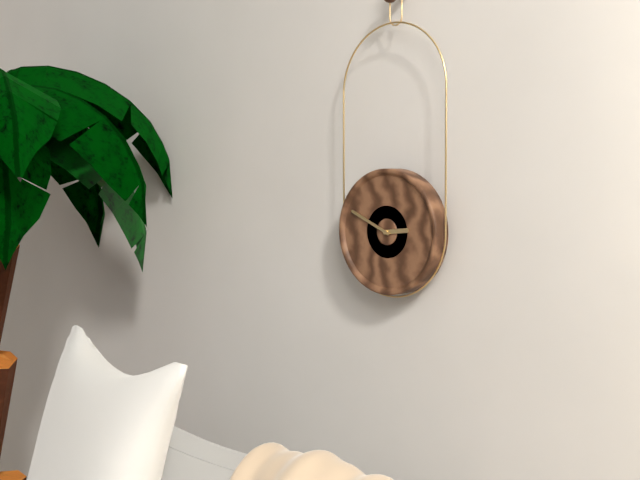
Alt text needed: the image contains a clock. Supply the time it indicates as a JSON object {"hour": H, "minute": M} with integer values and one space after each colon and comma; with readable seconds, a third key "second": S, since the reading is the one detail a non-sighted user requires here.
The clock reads {"hour": 2, "minute": 49}
